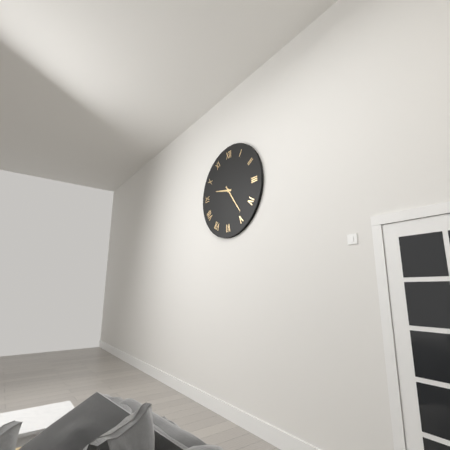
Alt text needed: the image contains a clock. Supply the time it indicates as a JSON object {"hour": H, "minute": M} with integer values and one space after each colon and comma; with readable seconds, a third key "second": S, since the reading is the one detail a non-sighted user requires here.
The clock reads {"hour": 9, "minute": 24}
